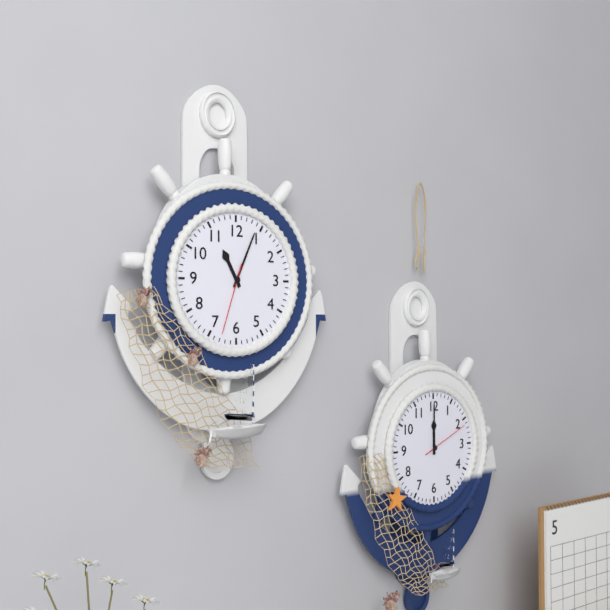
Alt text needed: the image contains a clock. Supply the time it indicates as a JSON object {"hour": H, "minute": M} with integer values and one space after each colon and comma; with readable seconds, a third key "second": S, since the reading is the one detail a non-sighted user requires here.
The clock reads {"hour": 11, "minute": 4, "second": 33}
